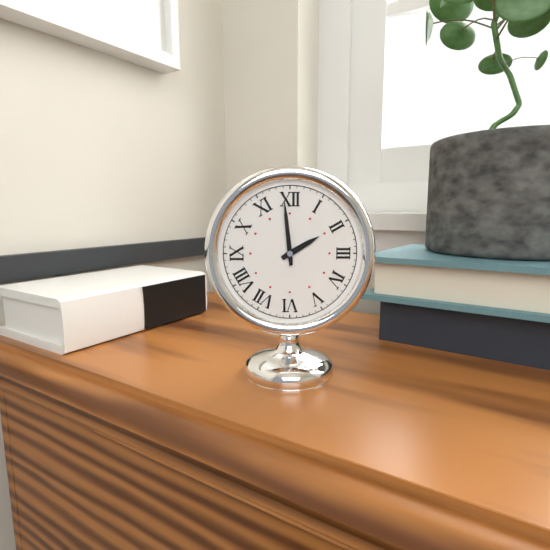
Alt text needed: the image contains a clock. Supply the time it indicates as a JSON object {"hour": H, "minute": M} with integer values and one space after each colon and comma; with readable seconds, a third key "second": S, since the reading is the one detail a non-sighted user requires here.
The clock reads {"hour": 1, "minute": 59}
